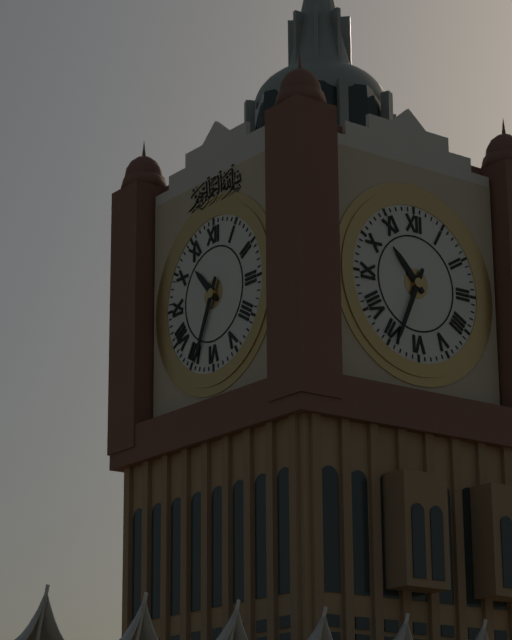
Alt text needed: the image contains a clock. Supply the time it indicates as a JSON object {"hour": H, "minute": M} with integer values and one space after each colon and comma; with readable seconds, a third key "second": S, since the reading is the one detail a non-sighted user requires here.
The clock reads {"hour": 10, "minute": 34}
